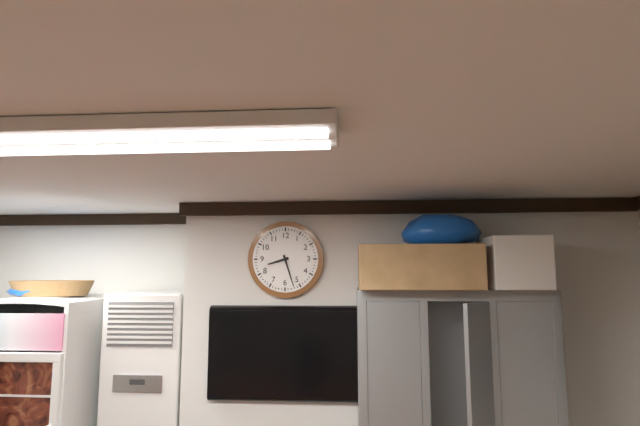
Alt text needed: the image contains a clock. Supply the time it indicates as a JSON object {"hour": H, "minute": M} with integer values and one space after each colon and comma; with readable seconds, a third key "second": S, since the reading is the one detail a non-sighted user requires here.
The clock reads {"hour": 8, "minute": 27}
